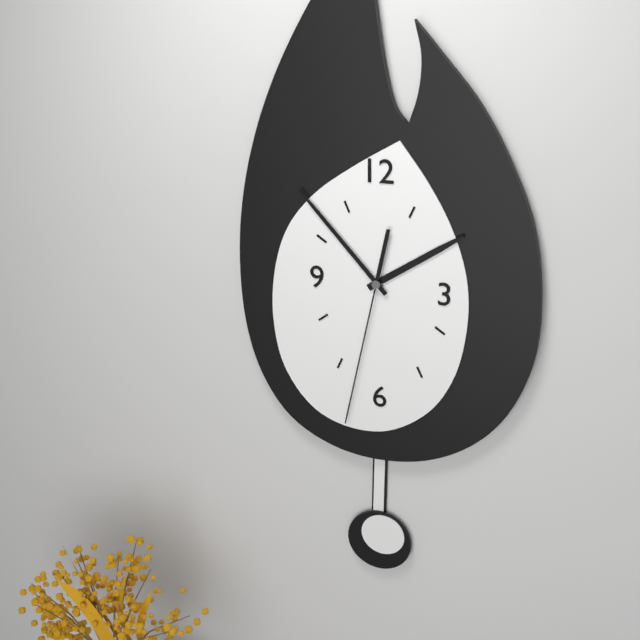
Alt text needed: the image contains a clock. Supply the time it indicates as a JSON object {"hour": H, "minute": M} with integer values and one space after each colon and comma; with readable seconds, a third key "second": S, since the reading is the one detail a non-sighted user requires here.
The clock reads {"hour": 1, "minute": 53, "second": 32}
